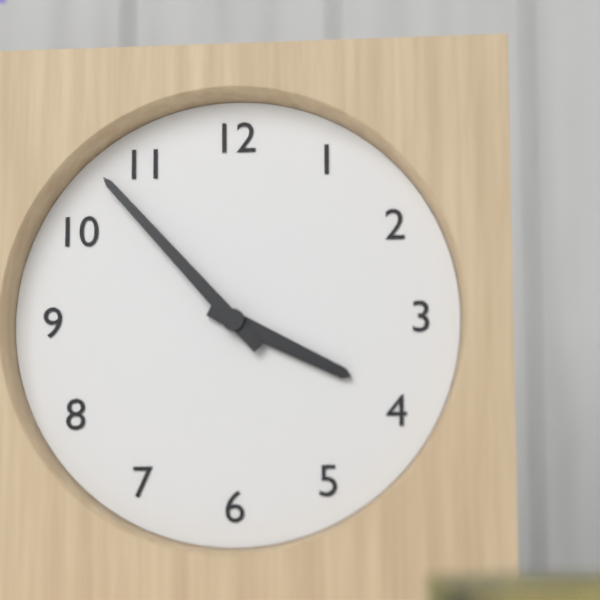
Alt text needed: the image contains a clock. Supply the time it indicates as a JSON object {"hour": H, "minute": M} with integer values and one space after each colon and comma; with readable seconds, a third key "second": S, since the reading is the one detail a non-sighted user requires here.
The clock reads {"hour": 3, "minute": 53}
